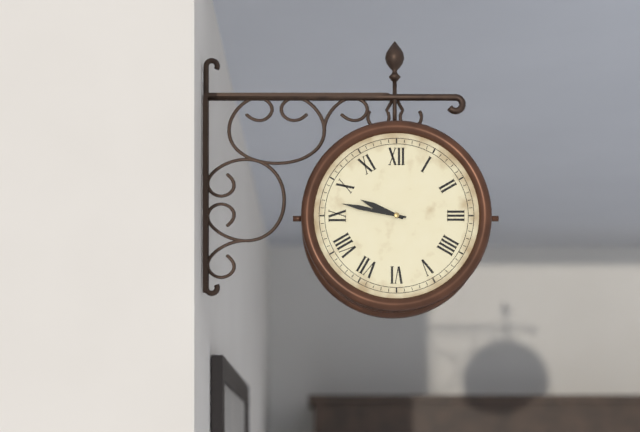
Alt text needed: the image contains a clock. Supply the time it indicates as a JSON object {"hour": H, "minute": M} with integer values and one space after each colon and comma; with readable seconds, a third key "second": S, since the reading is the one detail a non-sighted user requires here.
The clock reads {"hour": 9, "minute": 47}
